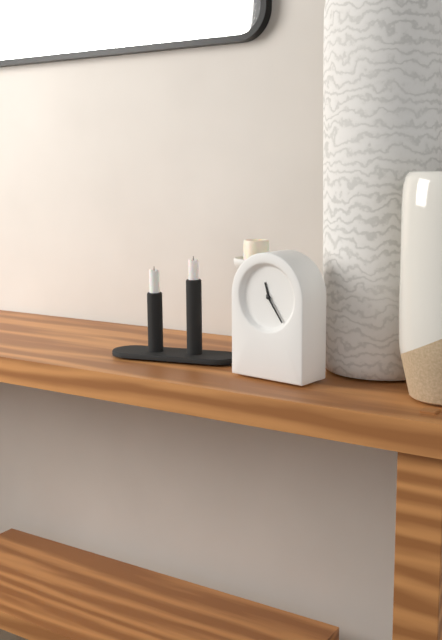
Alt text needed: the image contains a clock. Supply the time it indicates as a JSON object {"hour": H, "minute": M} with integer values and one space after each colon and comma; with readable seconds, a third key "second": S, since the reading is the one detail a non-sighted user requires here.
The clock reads {"hour": 11, "minute": 24}
